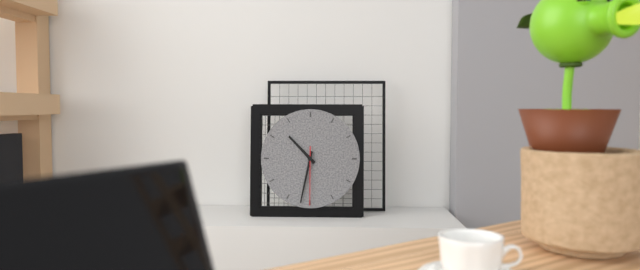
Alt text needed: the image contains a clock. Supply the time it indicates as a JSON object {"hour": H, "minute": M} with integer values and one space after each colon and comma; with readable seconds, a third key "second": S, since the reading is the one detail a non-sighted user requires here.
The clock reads {"hour": 10, "minute": 32, "second": 30}
